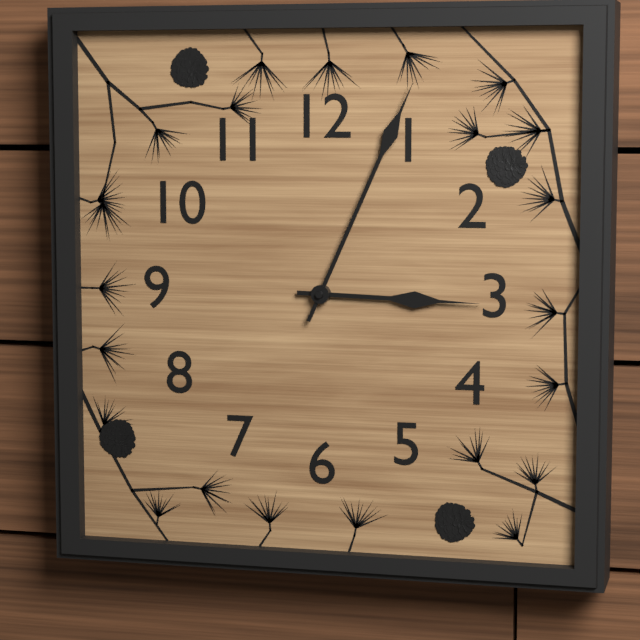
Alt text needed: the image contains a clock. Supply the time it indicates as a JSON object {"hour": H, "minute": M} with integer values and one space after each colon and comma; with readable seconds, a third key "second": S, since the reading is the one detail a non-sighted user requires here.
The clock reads {"hour": 3, "minute": 4}
